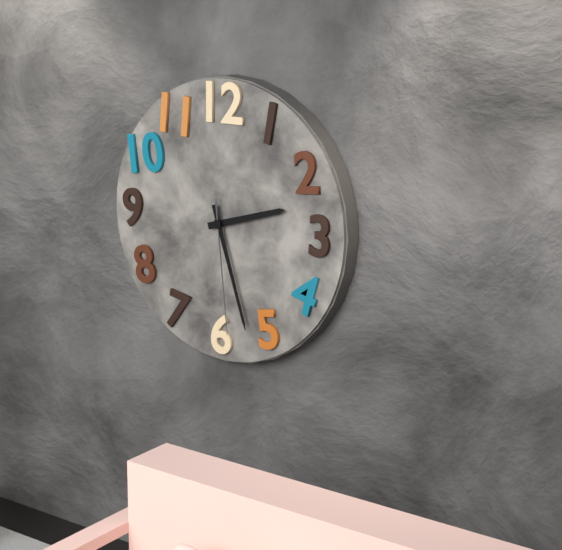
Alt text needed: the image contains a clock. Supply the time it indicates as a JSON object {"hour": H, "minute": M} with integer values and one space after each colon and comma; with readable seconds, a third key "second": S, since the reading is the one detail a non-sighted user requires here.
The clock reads {"hour": 2, "minute": 27, "second": 29}
